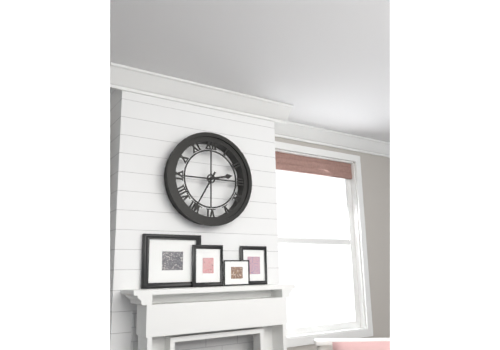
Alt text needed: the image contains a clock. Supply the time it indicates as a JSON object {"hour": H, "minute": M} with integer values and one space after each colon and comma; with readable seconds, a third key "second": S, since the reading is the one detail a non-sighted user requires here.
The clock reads {"hour": 2, "minute": 35}
